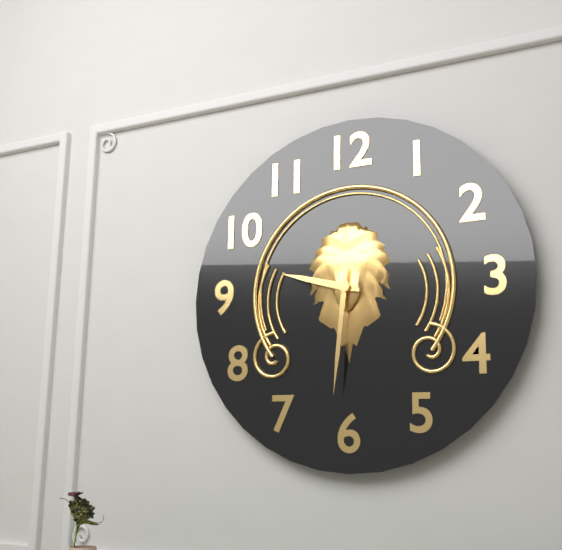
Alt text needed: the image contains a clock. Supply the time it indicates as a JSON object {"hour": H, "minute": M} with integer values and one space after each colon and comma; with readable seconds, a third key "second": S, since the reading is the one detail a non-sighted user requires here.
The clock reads {"hour": 9, "minute": 31}
